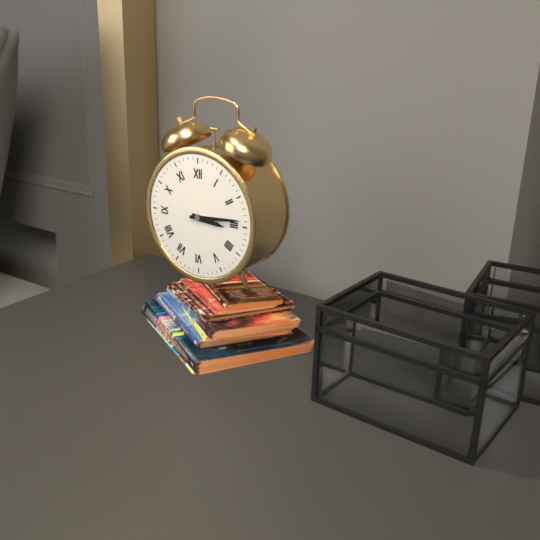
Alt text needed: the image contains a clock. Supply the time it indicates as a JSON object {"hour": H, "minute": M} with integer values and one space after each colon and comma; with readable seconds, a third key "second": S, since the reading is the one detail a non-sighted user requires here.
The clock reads {"hour": 3, "minute": 14}
